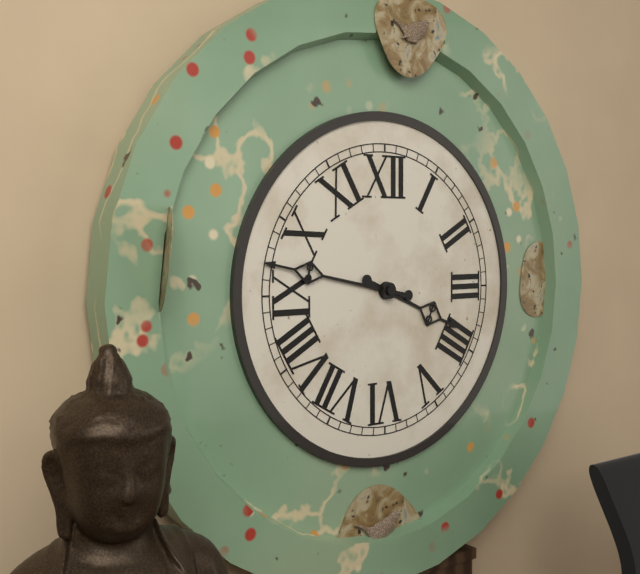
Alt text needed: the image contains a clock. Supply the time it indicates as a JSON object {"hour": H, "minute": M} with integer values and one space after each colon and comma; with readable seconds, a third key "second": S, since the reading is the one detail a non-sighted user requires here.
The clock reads {"hour": 3, "minute": 47}
